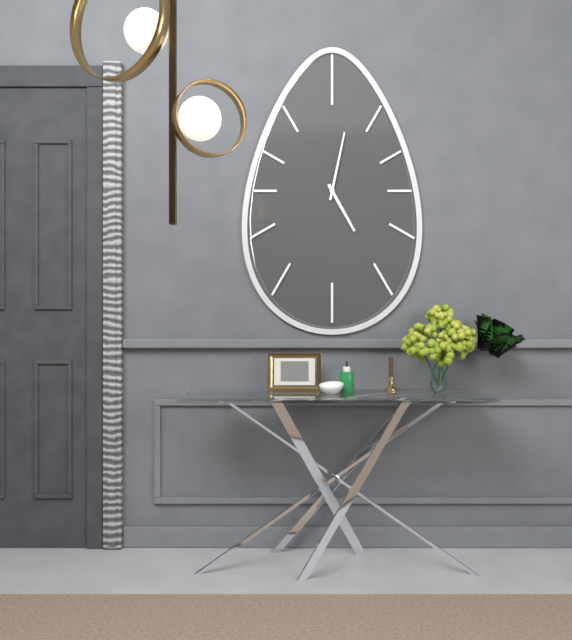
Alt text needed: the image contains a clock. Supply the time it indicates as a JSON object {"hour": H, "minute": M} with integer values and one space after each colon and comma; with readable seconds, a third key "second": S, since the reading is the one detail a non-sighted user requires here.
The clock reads {"hour": 5, "minute": 2}
